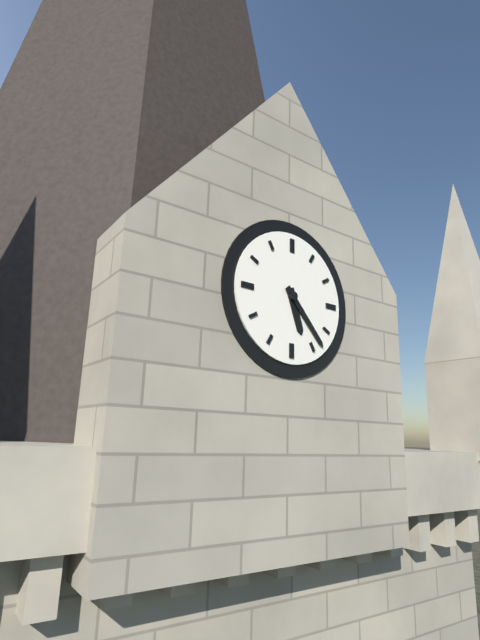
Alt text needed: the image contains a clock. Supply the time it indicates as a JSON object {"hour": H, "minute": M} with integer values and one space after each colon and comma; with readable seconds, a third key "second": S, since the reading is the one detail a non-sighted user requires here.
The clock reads {"hour": 5, "minute": 23}
